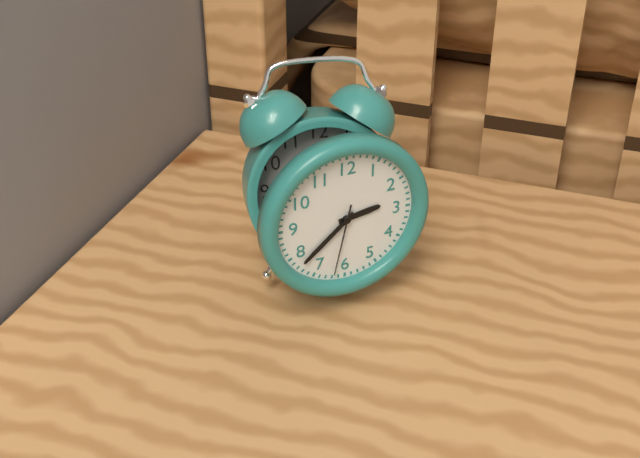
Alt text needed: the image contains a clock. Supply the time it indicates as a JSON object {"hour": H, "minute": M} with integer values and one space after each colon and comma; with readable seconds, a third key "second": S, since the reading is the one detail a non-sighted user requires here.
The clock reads {"hour": 2, "minute": 38, "second": 32}
